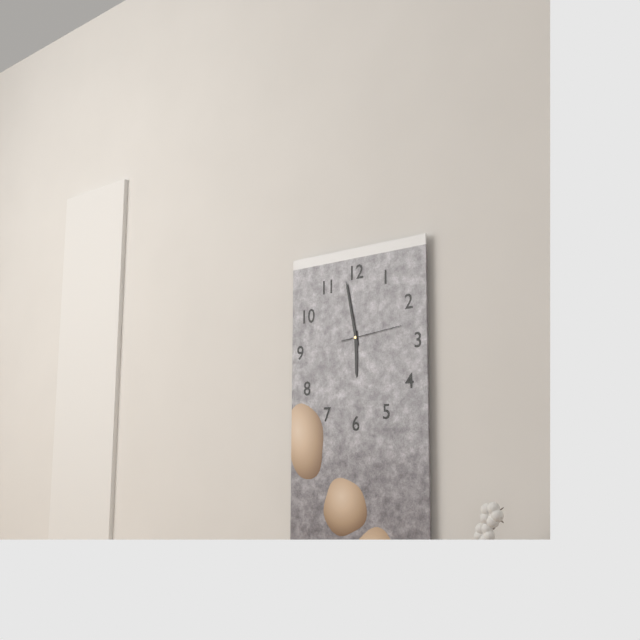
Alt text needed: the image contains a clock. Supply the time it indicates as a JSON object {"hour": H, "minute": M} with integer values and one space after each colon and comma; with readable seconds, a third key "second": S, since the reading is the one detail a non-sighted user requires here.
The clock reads {"hour": 5, "minute": 58, "second": 14}
